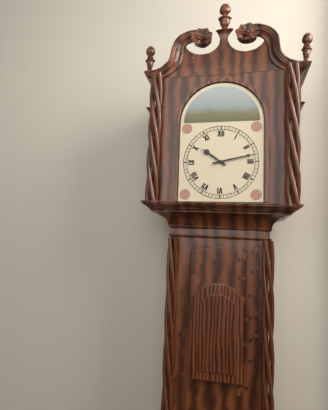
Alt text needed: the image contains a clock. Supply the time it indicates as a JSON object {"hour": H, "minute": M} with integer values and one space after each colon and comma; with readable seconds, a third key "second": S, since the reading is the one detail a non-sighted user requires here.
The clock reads {"hour": 10, "minute": 13}
